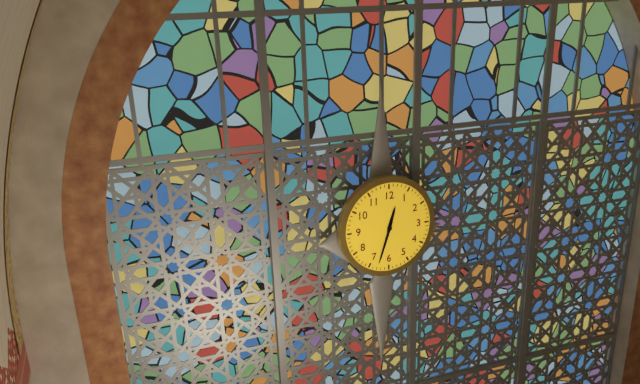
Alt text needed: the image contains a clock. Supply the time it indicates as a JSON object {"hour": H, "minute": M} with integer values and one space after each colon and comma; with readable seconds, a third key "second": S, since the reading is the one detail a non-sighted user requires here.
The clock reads {"hour": 12, "minute": 33}
